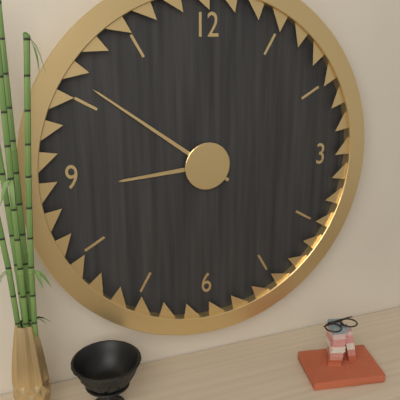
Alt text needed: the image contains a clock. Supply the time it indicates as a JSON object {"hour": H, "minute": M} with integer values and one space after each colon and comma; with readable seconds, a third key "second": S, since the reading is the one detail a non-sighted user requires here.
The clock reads {"hour": 8, "minute": 51}
